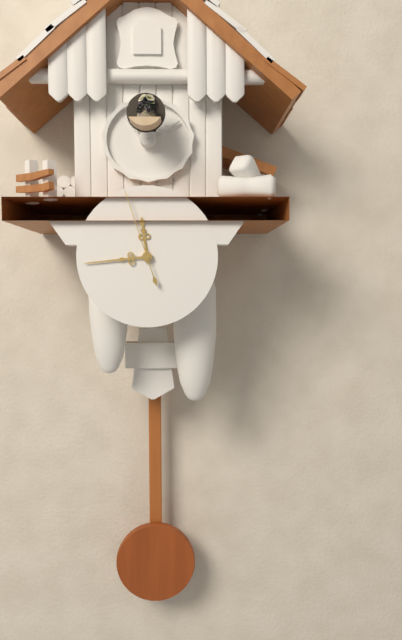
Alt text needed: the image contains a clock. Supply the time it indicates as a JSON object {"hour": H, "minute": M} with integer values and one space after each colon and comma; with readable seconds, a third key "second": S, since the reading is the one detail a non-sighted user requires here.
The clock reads {"hour": 11, "minute": 44, "second": 57}
